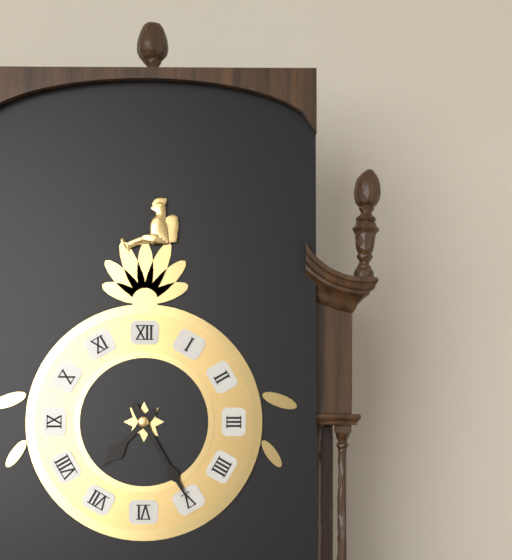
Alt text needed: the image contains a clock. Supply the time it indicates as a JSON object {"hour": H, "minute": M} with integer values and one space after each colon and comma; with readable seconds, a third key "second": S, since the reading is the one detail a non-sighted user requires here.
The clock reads {"hour": 7, "minute": 25}
